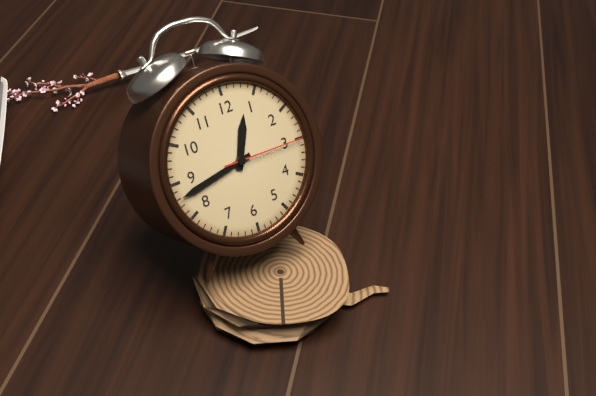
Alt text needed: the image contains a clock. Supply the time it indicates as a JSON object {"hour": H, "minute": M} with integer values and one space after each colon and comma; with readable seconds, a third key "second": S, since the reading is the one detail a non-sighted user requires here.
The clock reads {"hour": 12, "minute": 43, "second": 15}
